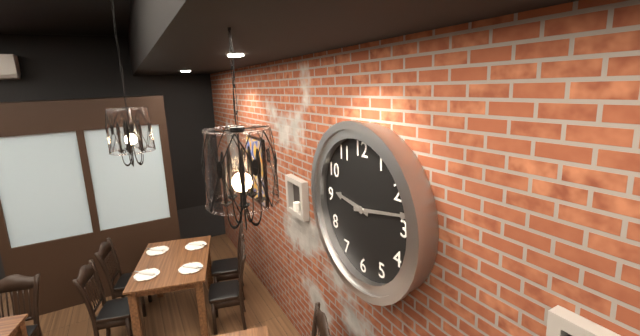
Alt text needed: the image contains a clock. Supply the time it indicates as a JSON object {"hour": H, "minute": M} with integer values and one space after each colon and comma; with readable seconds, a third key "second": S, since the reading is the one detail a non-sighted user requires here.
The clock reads {"hour": 9, "minute": 13}
